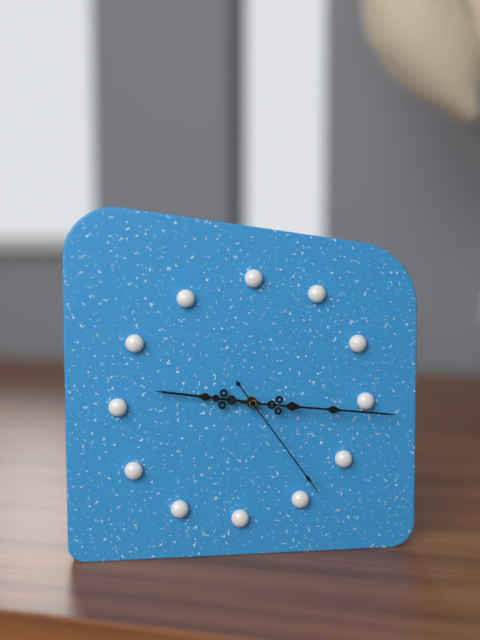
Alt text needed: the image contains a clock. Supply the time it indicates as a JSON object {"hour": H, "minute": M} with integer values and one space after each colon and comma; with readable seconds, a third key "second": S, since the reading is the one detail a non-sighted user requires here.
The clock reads {"hour": 9, "minute": 16, "second": 24}
